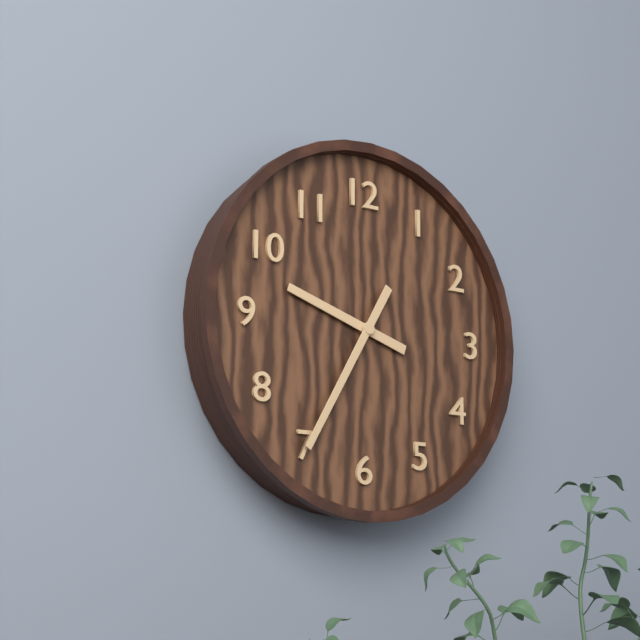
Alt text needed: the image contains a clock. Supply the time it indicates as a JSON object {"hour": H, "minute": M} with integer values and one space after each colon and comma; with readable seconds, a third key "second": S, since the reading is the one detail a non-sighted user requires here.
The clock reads {"hour": 9, "minute": 35}
